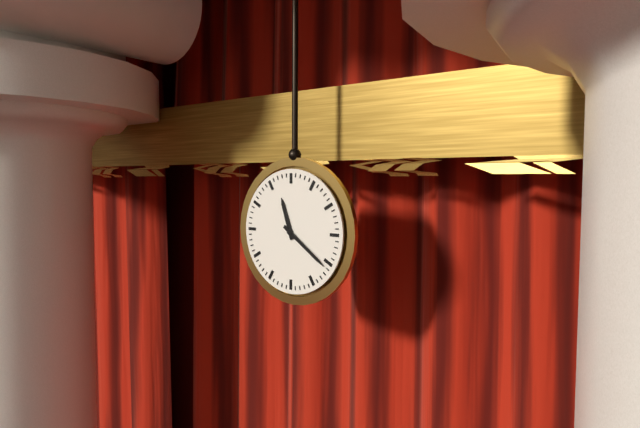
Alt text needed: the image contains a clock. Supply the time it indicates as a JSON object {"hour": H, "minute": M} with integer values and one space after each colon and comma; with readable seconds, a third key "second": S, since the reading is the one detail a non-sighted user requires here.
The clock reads {"hour": 11, "minute": 21}
